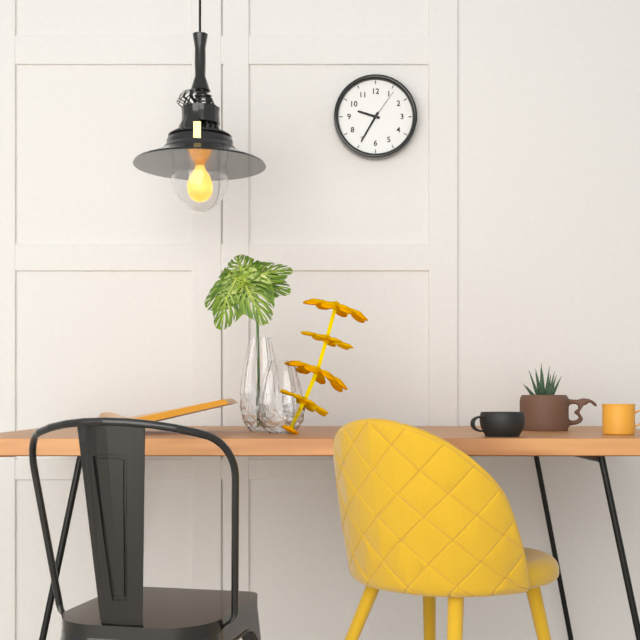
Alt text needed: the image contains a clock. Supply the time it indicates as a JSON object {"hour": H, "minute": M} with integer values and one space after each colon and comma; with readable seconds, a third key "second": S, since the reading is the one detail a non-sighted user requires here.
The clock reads {"hour": 9, "minute": 35}
